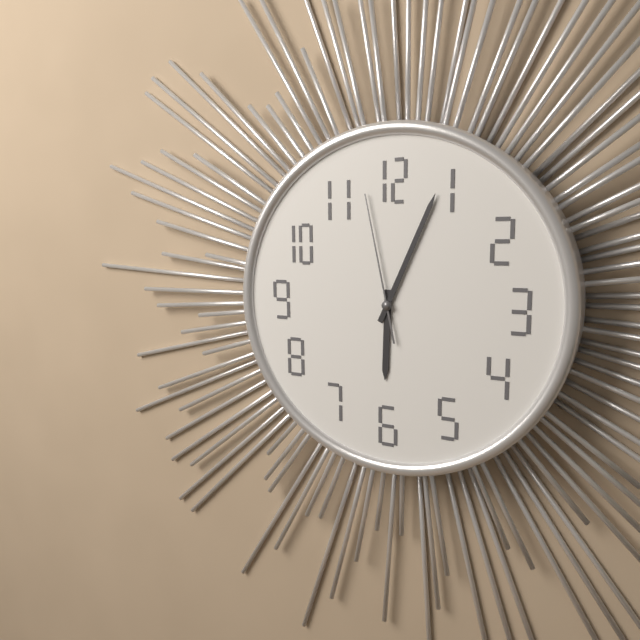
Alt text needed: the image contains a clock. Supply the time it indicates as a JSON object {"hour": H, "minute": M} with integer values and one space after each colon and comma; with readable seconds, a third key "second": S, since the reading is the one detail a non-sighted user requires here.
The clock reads {"hour": 6, "minute": 4, "second": 58}
